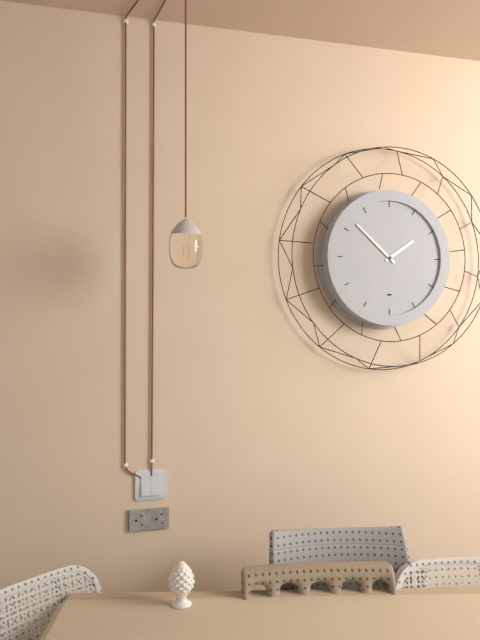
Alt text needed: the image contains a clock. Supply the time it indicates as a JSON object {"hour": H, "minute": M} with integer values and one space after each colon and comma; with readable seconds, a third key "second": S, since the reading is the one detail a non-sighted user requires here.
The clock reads {"hour": 1, "minute": 52}
